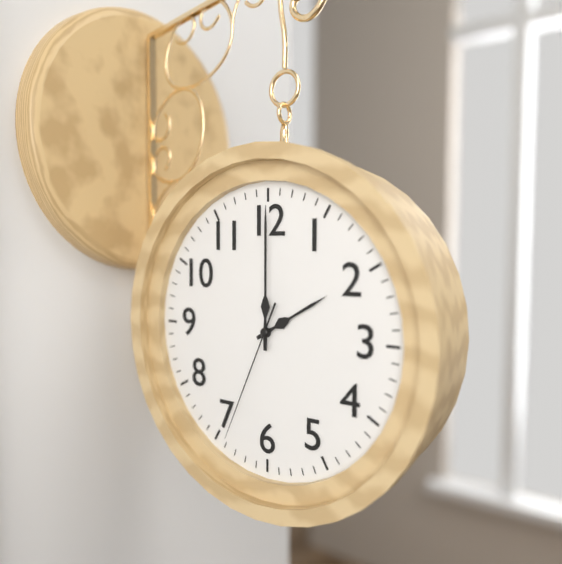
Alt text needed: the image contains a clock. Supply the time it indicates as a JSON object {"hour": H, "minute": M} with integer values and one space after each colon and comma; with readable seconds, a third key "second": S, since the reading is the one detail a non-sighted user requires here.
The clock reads {"hour": 2, "minute": 0, "second": 34}
